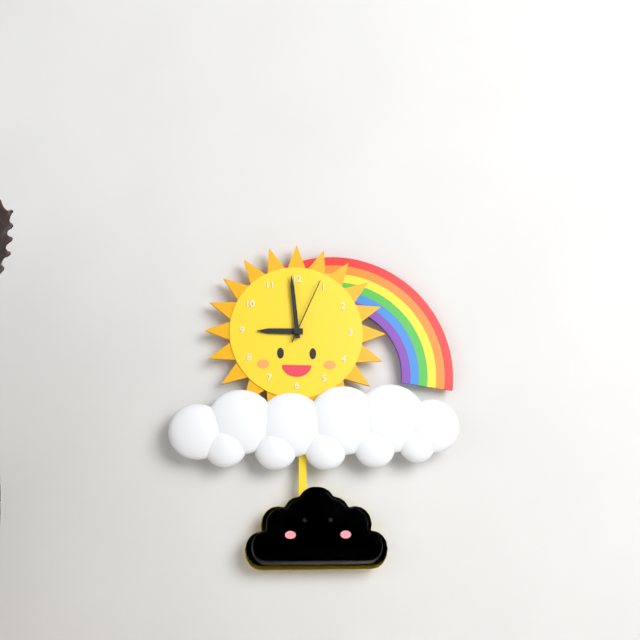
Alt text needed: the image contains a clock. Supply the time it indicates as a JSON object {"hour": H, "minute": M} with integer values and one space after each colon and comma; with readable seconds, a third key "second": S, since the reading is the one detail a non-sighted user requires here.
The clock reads {"hour": 8, "minute": 59, "second": 4}
